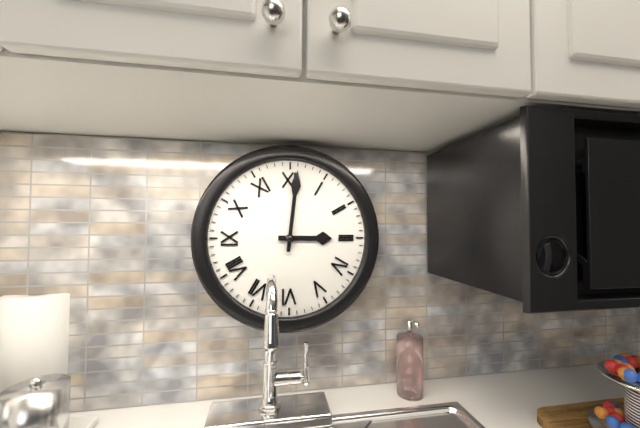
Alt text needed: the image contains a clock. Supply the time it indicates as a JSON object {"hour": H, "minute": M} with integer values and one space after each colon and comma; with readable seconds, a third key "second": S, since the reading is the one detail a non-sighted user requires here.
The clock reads {"hour": 3, "minute": 1}
